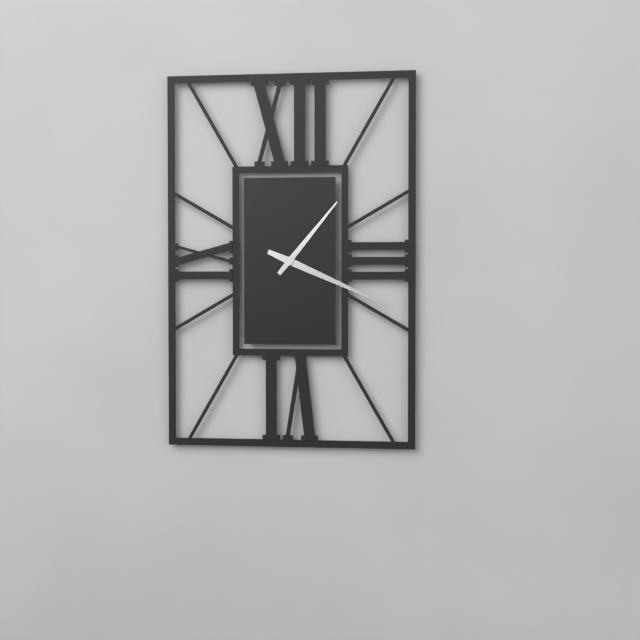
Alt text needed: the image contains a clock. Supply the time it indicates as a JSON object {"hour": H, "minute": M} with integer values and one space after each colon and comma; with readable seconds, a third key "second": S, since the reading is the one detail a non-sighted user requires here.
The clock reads {"hour": 1, "minute": 19}
